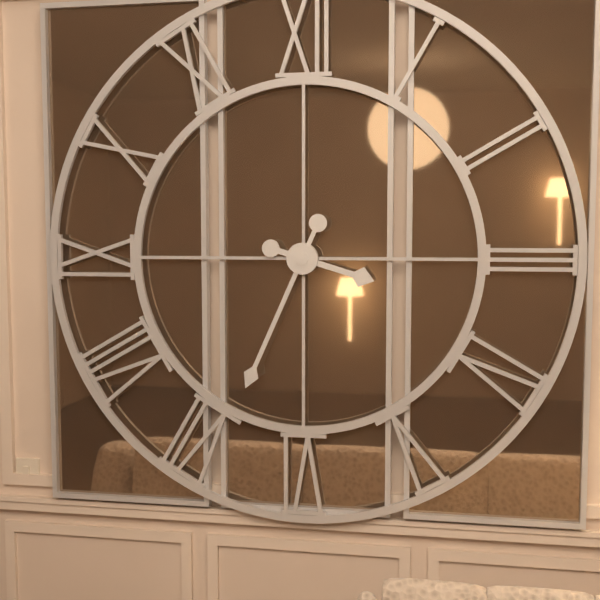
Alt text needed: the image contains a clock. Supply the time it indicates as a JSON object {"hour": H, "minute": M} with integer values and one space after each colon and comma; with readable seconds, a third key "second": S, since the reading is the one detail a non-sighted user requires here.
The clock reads {"hour": 3, "minute": 34}
